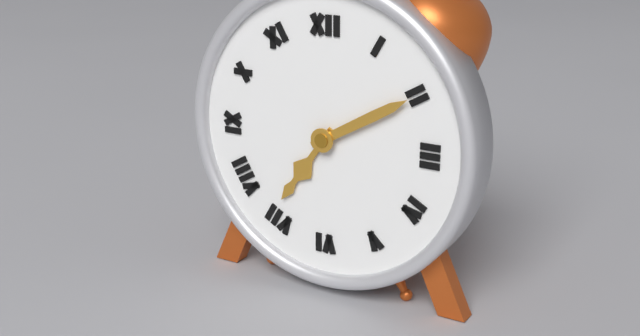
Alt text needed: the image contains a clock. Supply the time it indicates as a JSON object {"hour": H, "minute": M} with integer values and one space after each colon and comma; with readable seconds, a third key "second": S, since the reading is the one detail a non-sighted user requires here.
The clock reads {"hour": 7, "minute": 10}
